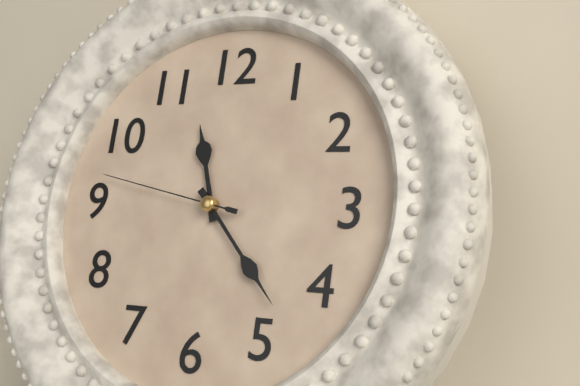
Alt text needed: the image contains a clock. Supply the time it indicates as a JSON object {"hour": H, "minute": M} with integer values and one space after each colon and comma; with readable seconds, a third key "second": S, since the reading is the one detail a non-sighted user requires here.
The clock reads {"hour": 11, "minute": 23, "second": 47}
